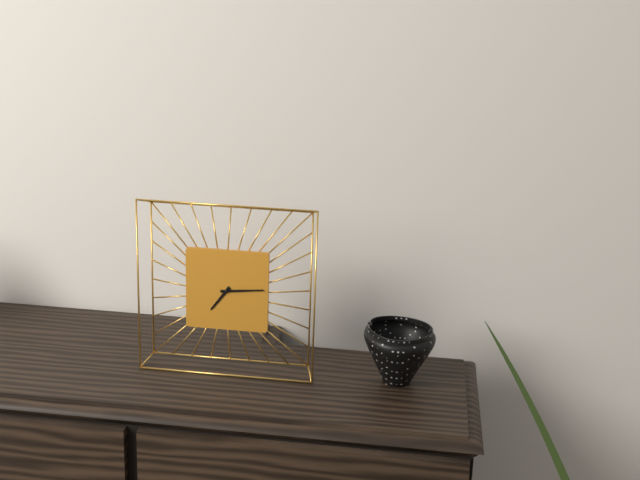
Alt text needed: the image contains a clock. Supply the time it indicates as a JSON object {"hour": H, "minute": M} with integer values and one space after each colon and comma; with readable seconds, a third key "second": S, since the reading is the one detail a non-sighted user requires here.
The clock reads {"hour": 7, "minute": 14}
